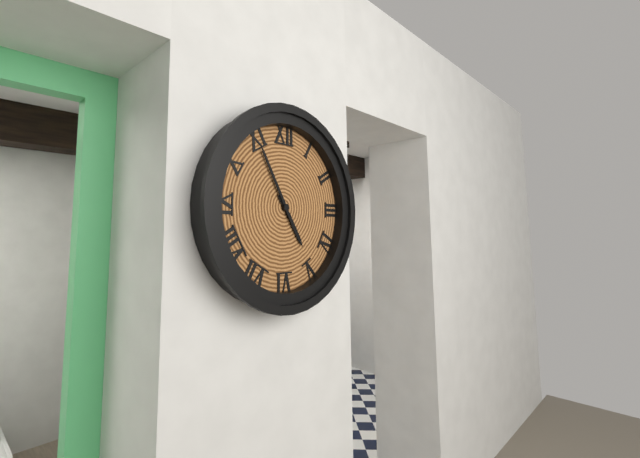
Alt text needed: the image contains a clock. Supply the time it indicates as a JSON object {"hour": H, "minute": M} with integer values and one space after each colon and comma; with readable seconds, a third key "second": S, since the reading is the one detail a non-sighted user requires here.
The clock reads {"hour": 4, "minute": 55}
